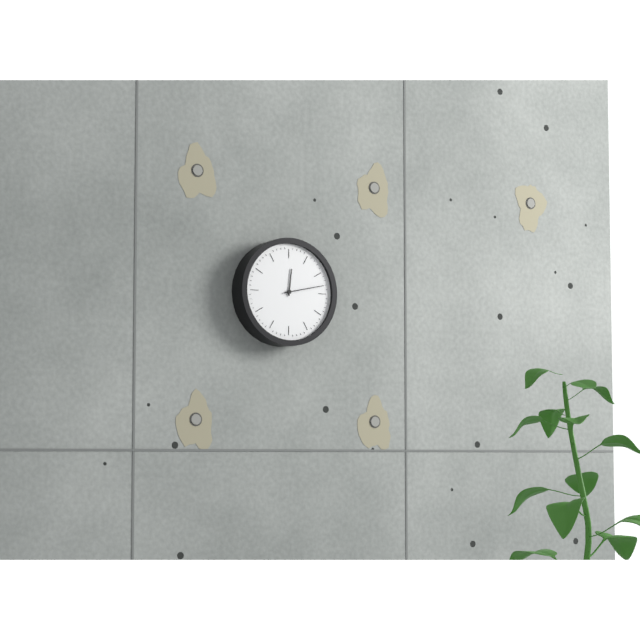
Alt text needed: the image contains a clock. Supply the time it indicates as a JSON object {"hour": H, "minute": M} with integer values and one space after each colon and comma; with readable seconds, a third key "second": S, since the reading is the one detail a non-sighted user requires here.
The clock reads {"hour": 12, "minute": 13}
